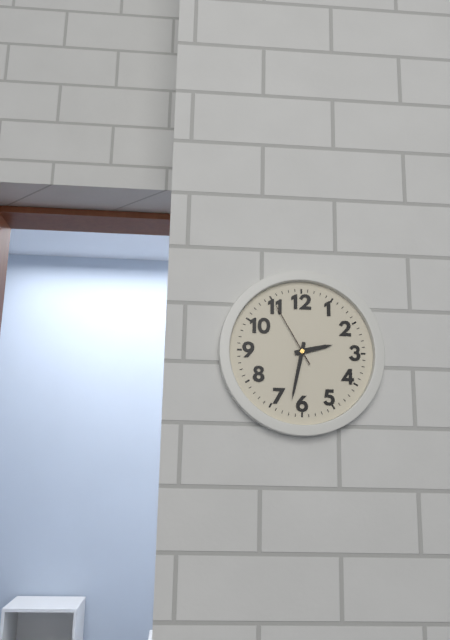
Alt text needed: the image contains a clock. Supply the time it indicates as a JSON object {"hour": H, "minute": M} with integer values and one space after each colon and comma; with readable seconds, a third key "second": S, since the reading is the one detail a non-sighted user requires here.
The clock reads {"hour": 2, "minute": 32, "second": 55}
